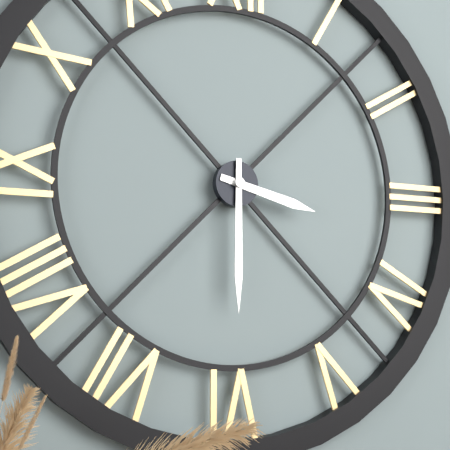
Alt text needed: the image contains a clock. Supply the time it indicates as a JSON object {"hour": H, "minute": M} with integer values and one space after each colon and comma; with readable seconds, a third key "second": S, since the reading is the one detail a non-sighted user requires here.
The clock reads {"hour": 3, "minute": 30}
